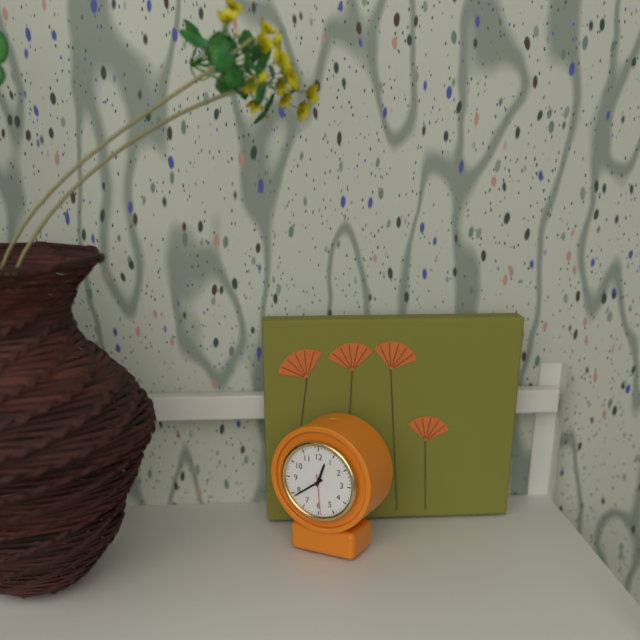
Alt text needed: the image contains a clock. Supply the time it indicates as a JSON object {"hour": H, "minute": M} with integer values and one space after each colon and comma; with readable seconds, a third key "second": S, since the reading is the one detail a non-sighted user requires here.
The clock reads {"hour": 12, "minute": 39}
